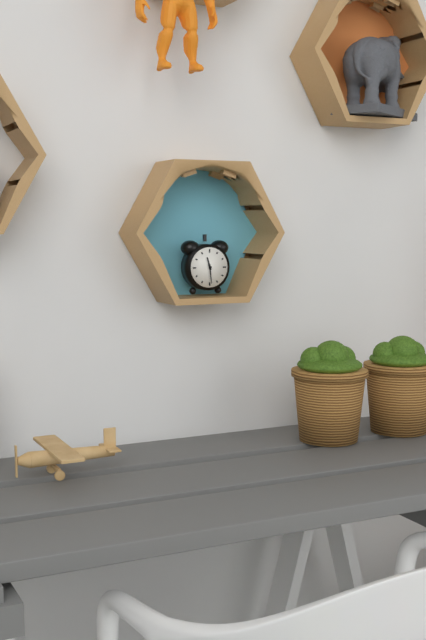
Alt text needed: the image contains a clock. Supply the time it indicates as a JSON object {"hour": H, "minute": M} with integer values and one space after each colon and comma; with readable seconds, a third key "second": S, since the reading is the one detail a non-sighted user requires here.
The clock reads {"hour": 11, "minute": 29}
